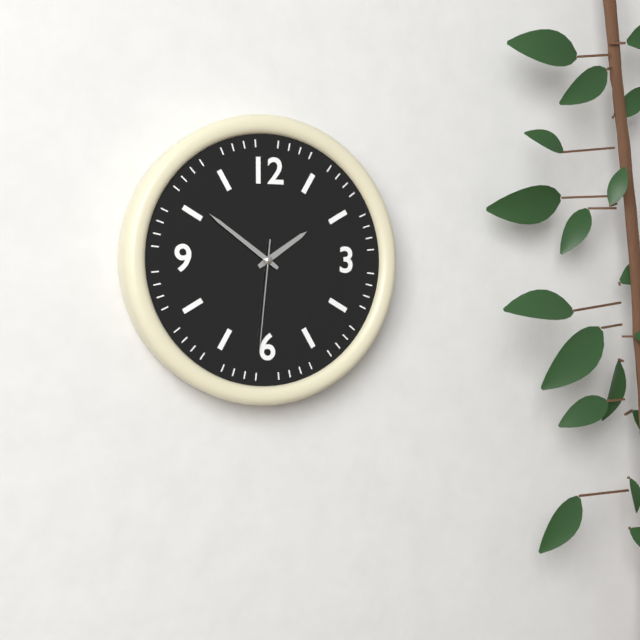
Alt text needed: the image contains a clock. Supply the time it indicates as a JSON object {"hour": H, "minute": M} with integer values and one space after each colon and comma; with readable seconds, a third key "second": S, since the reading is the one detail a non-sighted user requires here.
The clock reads {"hour": 1, "minute": 51, "second": 31}
